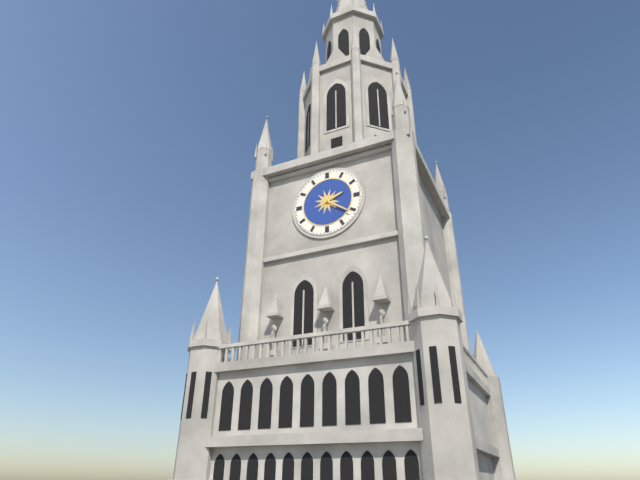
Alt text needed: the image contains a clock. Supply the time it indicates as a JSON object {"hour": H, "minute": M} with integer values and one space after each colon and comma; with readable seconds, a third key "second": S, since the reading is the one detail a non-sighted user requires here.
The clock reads {"hour": 2, "minute": 21}
